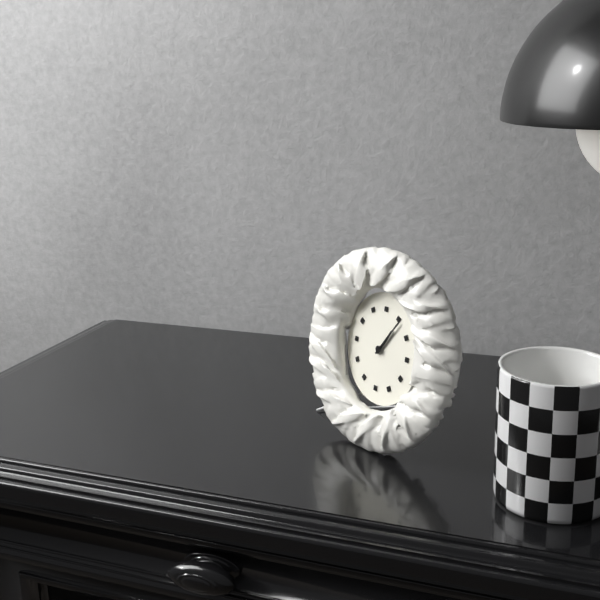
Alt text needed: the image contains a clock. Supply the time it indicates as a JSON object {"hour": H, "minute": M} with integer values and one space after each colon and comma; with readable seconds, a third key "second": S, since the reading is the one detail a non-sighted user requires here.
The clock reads {"hour": 1, "minute": 6}
